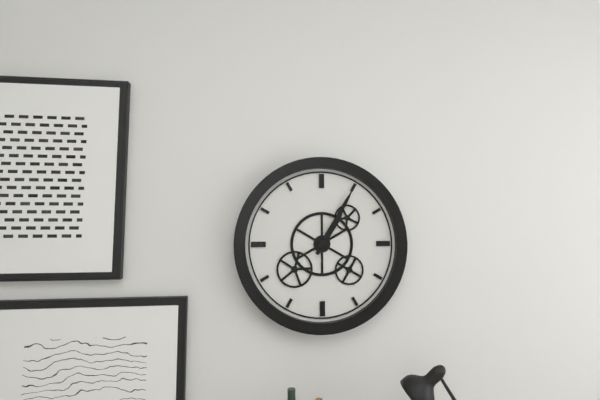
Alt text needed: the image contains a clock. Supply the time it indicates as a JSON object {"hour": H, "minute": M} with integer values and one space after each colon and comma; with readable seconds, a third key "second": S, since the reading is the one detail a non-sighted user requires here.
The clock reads {"hour": 1, "minute": 5}
